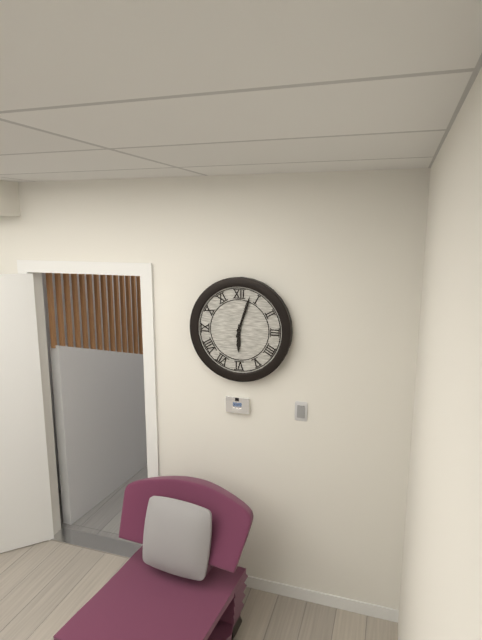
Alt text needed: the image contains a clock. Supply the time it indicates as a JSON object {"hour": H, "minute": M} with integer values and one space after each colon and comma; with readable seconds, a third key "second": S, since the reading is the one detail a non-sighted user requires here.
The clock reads {"hour": 6, "minute": 3}
